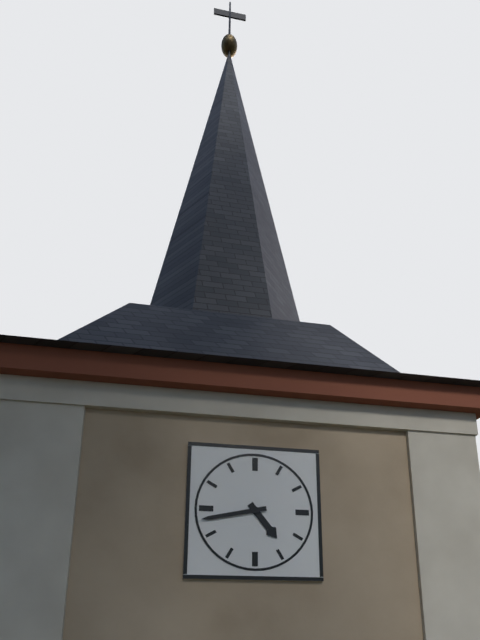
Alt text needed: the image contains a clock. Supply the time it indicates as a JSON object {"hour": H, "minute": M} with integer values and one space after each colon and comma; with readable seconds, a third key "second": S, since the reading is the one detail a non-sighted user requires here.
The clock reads {"hour": 4, "minute": 43}
